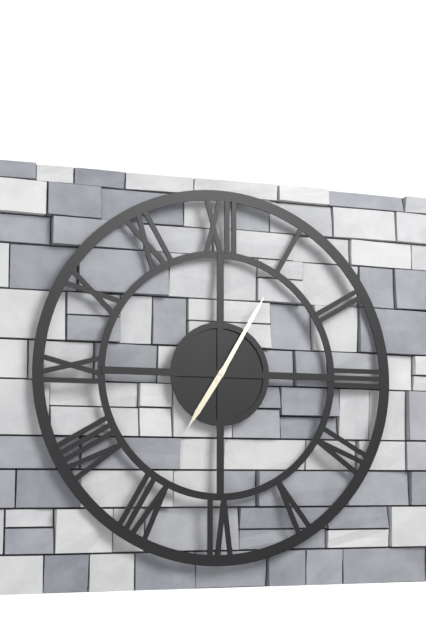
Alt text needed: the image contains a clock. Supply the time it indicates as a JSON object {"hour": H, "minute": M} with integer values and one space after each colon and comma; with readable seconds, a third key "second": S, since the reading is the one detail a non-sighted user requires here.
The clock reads {"hour": 7, "minute": 5}
